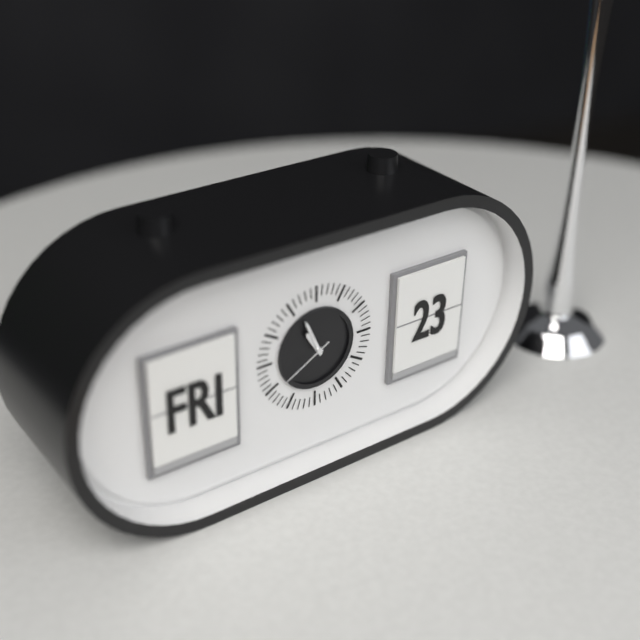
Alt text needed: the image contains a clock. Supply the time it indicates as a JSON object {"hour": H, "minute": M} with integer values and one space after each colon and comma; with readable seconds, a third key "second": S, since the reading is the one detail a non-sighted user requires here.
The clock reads {"hour": 10, "minute": 56, "second": 40}
